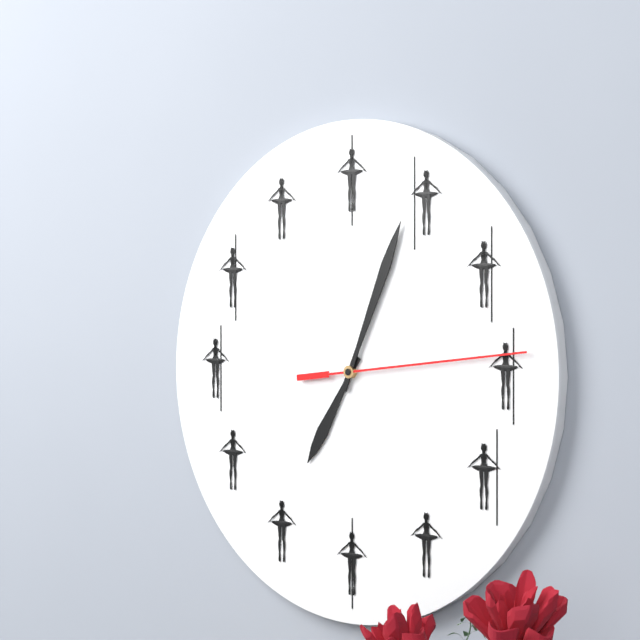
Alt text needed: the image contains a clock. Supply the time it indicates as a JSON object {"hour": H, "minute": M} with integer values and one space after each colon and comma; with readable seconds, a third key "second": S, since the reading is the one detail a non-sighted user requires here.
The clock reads {"hour": 7, "minute": 4, "second": 14}
